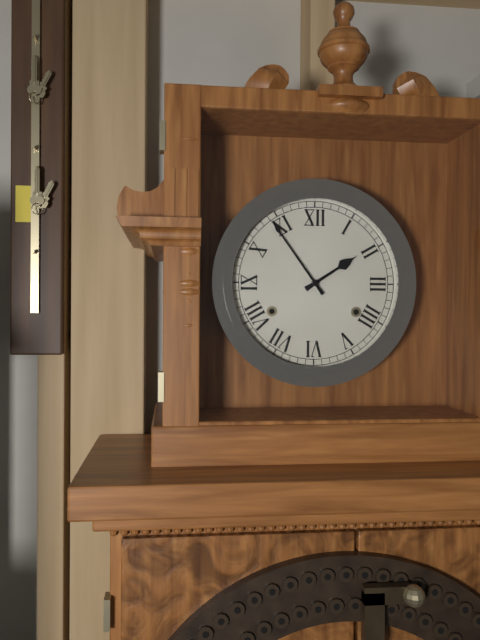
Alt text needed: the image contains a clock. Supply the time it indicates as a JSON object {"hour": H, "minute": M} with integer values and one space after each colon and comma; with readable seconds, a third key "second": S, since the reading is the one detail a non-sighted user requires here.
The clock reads {"hour": 1, "minute": 54}
